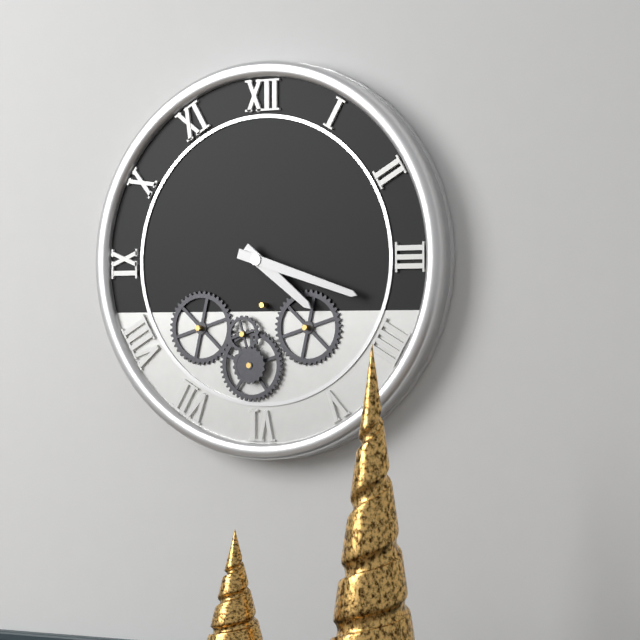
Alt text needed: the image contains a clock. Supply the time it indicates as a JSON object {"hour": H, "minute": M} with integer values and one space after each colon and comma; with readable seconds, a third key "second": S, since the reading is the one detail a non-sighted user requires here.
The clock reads {"hour": 4, "minute": 18}
